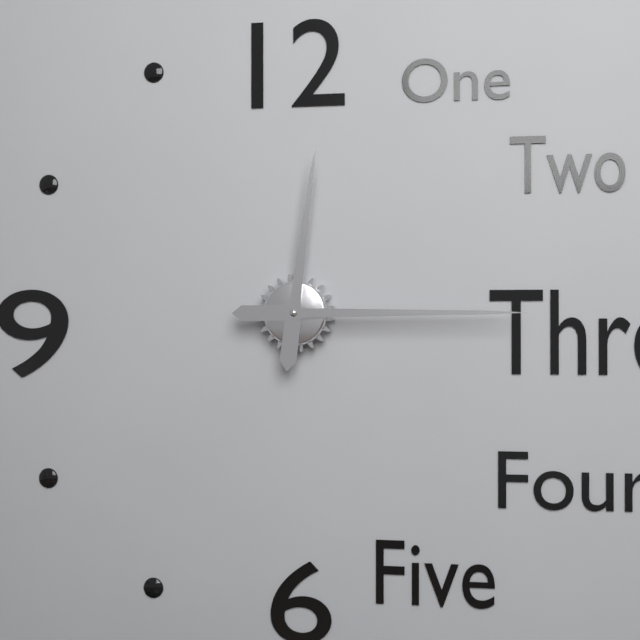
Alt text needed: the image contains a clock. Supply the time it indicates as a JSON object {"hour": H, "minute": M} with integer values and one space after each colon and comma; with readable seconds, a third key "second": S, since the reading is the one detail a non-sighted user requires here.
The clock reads {"hour": 12, "minute": 15}
